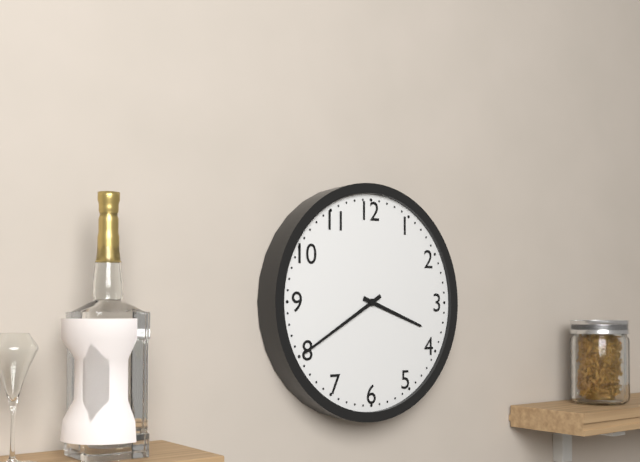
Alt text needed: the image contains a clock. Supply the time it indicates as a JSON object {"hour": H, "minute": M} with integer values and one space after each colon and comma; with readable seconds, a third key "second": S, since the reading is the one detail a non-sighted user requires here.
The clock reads {"hour": 3, "minute": 40}
